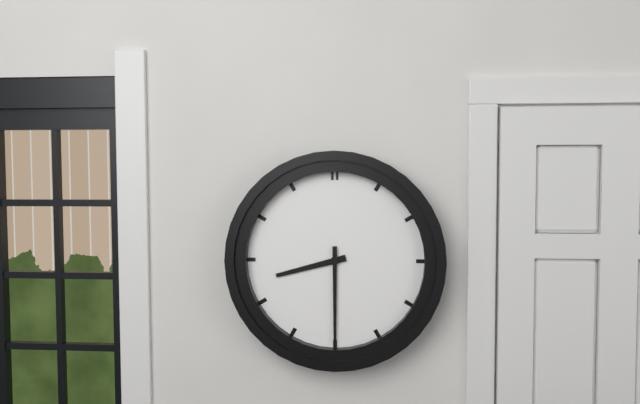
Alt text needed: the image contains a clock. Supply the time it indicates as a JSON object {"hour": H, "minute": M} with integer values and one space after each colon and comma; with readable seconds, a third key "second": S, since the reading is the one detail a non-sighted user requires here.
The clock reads {"hour": 8, "minute": 30}
